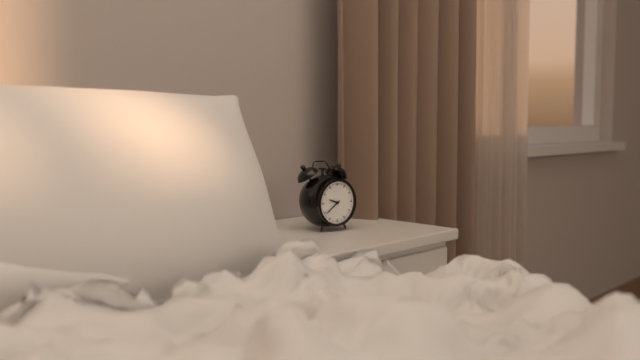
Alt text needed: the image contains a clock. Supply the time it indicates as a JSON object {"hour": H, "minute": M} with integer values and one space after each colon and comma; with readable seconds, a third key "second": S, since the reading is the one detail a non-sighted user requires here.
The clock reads {"hour": 9, "minute": 39}
